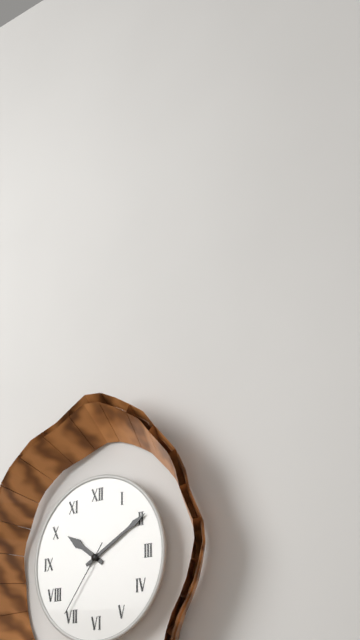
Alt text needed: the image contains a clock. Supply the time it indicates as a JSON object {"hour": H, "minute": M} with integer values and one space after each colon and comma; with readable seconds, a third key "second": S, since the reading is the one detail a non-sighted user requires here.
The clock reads {"hour": 10, "minute": 10, "second": 36}
